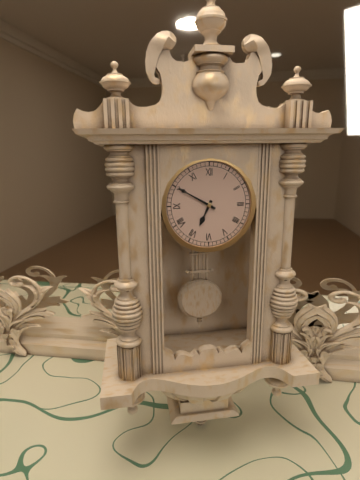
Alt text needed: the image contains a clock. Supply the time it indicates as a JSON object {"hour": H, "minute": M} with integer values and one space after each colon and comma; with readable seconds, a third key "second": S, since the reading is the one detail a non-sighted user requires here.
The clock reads {"hour": 6, "minute": 50}
